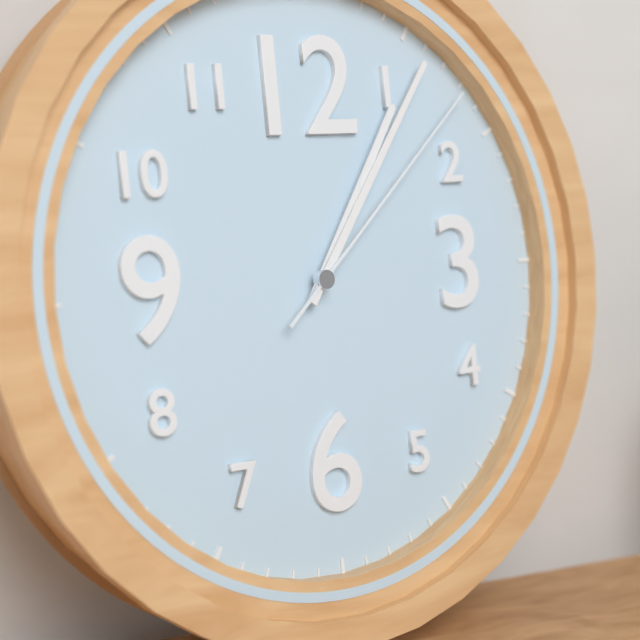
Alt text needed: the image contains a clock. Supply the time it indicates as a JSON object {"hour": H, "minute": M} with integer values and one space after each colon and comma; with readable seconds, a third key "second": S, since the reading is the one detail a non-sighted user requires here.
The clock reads {"hour": 1, "minute": 6, "second": 8}
